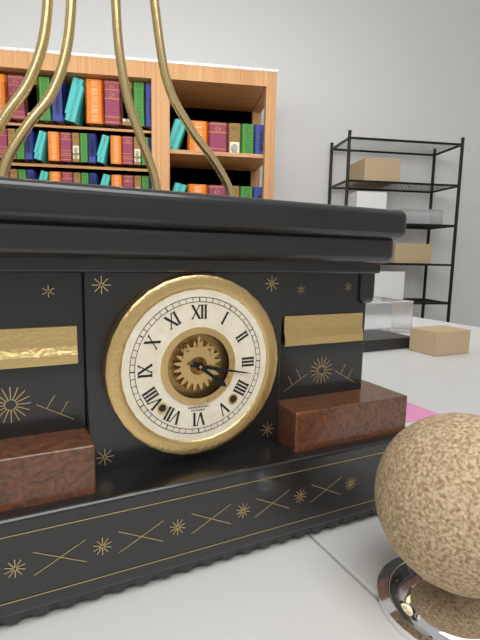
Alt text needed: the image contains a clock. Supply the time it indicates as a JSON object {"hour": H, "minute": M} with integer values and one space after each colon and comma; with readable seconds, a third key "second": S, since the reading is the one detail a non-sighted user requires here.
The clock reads {"hour": 4, "minute": 17}
